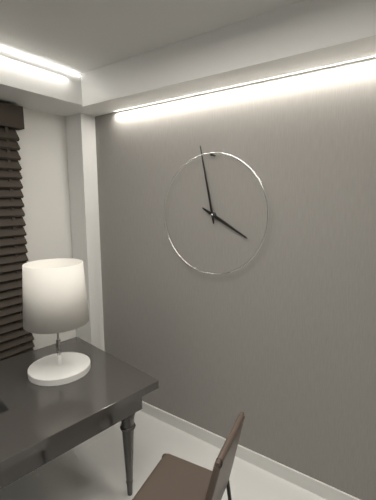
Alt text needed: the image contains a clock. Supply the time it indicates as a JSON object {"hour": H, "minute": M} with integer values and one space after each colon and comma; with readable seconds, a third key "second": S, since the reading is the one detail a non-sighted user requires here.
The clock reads {"hour": 3, "minute": 58}
